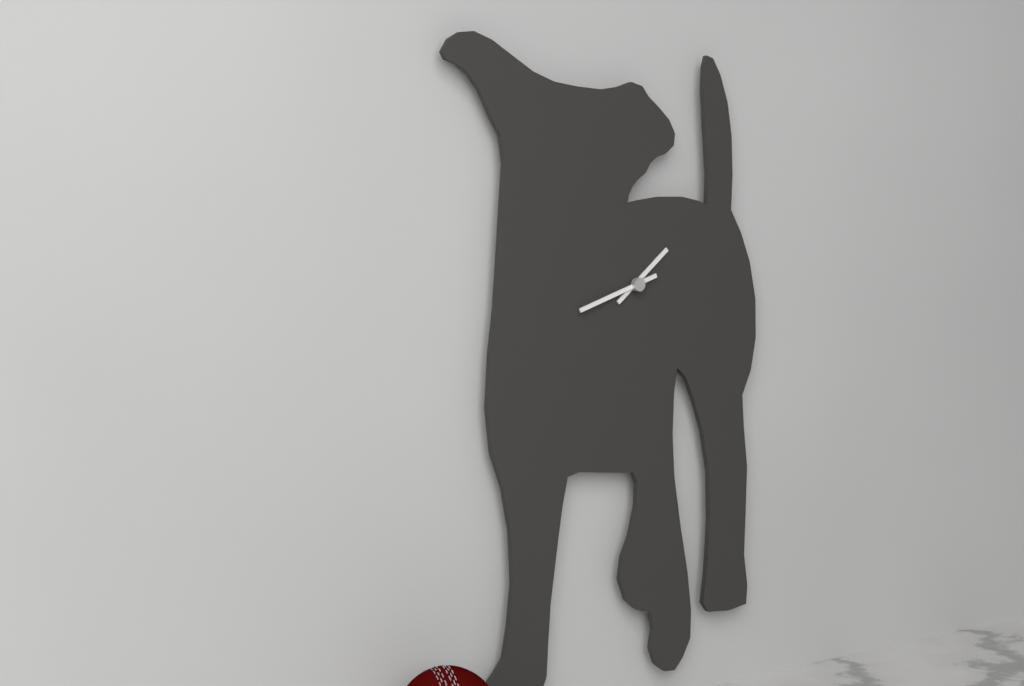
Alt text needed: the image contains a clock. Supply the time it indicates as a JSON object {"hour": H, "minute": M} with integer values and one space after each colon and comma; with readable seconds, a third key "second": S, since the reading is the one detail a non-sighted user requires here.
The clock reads {"hour": 1, "minute": 42}
